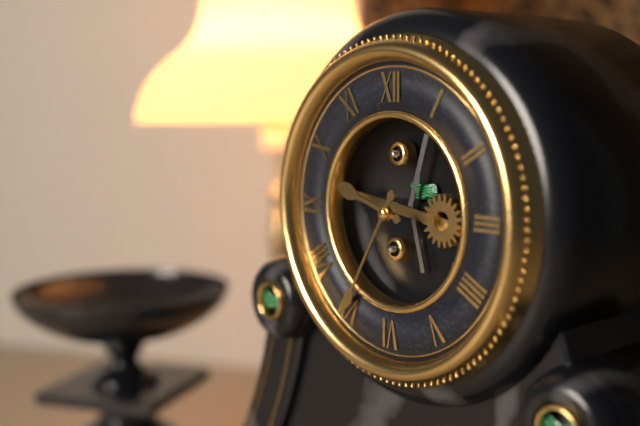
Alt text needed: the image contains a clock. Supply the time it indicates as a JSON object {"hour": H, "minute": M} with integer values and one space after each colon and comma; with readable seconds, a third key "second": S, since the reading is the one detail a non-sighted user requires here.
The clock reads {"hour": 9, "minute": 35}
